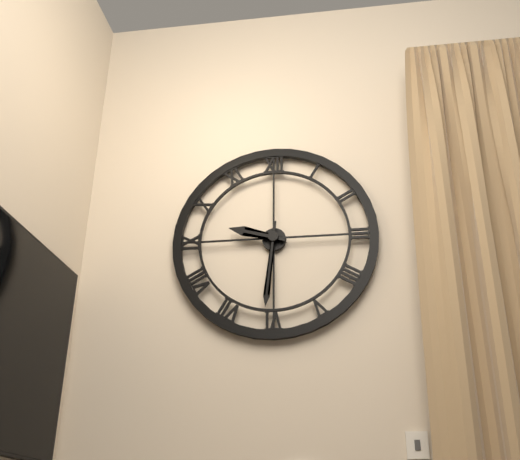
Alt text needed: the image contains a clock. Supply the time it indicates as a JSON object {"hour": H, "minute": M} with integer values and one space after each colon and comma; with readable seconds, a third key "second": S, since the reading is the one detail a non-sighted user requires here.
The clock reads {"hour": 9, "minute": 31}
